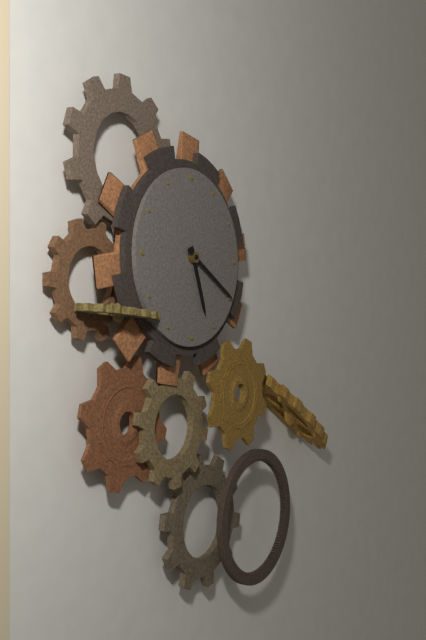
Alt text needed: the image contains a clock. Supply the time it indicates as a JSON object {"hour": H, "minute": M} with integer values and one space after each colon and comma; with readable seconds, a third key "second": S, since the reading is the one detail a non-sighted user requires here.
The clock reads {"hour": 5, "minute": 20}
